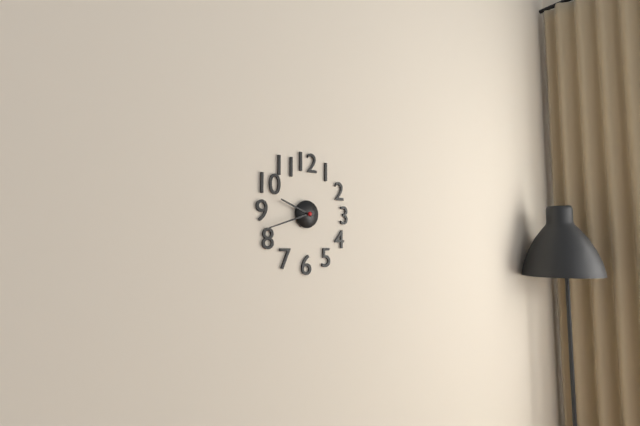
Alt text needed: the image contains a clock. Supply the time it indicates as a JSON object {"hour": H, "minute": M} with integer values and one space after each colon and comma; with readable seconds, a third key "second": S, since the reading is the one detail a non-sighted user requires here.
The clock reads {"hour": 9, "minute": 42}
